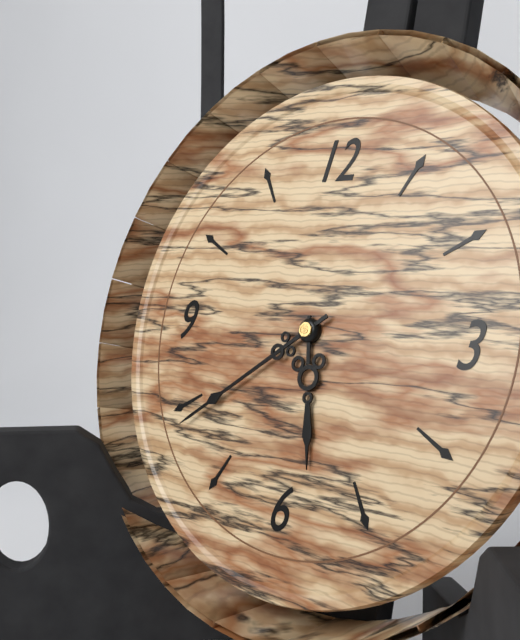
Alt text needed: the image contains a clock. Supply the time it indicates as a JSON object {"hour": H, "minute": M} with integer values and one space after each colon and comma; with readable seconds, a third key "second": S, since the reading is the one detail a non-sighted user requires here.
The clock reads {"hour": 5, "minute": 39}
